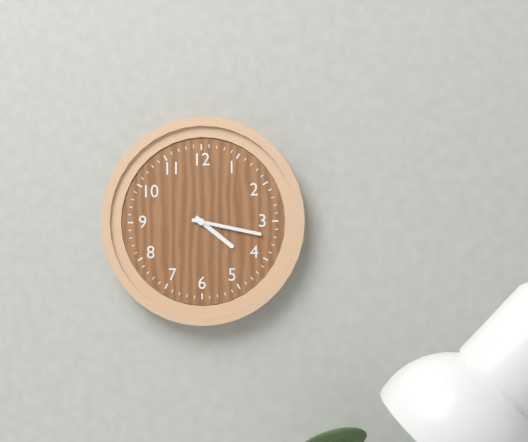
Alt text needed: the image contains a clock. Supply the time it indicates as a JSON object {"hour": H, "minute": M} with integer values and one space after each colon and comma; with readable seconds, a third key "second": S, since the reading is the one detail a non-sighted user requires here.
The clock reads {"hour": 4, "minute": 17}
